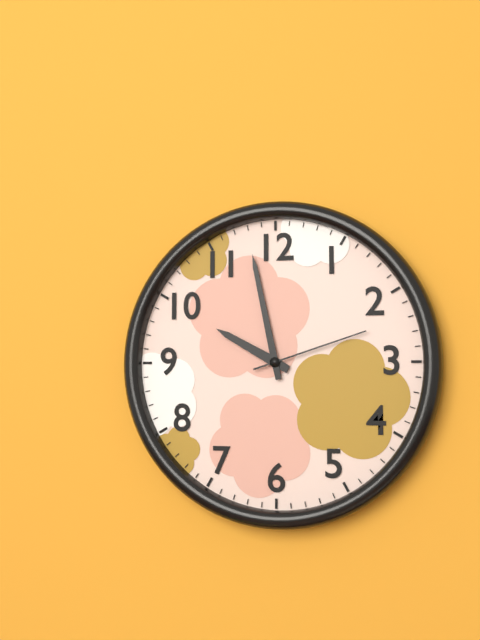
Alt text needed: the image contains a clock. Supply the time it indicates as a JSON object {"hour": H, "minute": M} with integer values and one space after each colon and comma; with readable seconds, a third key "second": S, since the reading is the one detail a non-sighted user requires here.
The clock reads {"hour": 9, "minute": 58, "second": 12}
